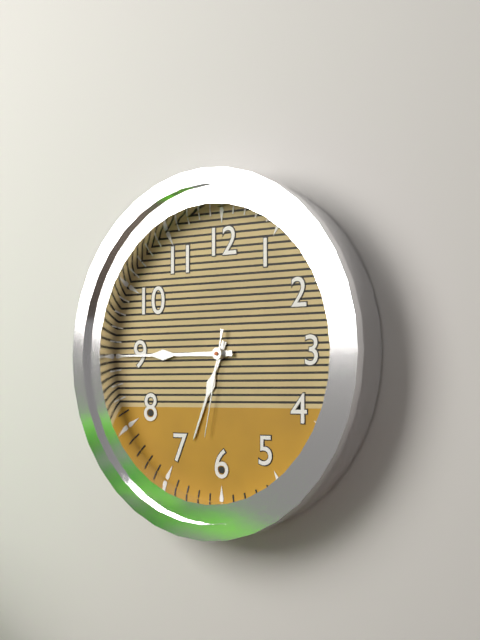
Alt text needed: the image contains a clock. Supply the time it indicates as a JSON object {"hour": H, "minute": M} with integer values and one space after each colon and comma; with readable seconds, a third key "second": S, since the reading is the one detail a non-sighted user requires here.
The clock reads {"hour": 6, "minute": 45, "second": 32}
